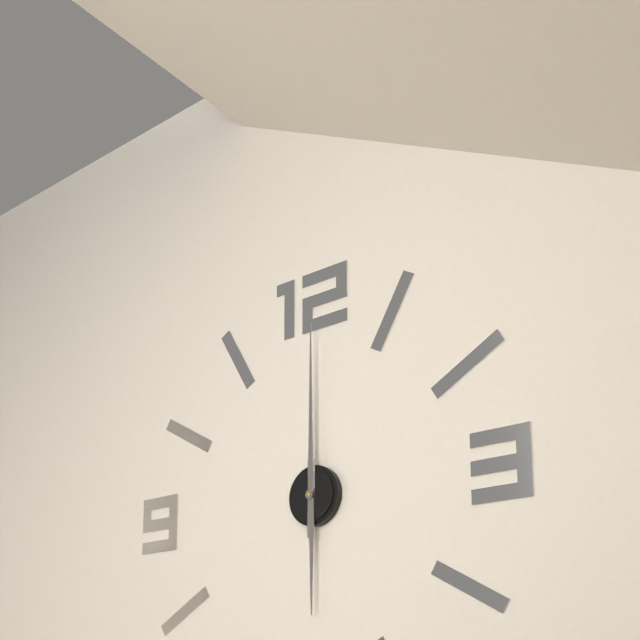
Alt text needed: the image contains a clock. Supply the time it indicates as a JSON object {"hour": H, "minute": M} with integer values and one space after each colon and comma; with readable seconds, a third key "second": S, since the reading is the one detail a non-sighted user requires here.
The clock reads {"hour": 6, "minute": 0}
